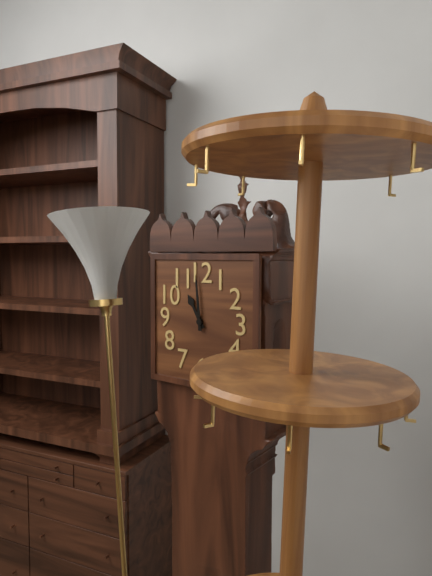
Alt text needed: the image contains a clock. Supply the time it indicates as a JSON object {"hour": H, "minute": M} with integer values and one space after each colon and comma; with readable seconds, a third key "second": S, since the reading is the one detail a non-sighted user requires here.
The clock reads {"hour": 10, "minute": 59}
